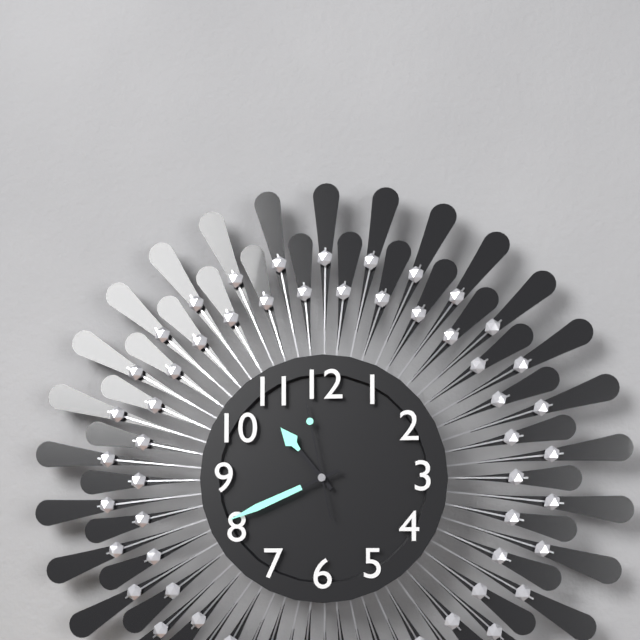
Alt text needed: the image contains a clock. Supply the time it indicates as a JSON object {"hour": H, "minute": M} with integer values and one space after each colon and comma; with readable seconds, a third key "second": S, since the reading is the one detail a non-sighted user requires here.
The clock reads {"hour": 10, "minute": 41, "second": 58}
